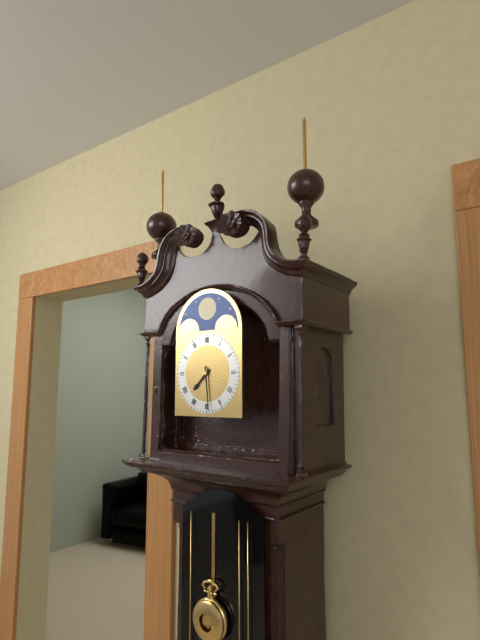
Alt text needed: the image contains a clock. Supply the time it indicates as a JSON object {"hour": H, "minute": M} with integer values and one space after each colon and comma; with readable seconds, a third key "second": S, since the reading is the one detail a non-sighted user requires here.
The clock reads {"hour": 7, "minute": 29}
